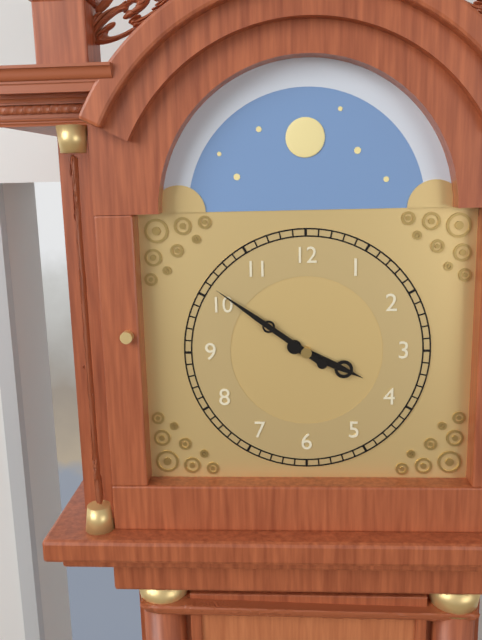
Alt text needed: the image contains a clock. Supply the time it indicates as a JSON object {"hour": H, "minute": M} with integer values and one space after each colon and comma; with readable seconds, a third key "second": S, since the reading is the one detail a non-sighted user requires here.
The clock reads {"hour": 3, "minute": 51}
